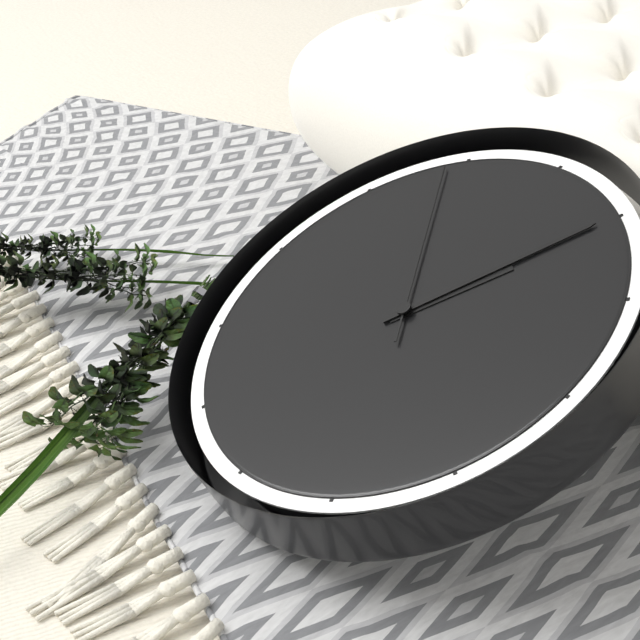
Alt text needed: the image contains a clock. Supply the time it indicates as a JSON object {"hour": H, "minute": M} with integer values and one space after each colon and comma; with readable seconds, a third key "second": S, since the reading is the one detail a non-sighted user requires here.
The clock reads {"hour": 1, "minute": 5, "second": 54}
